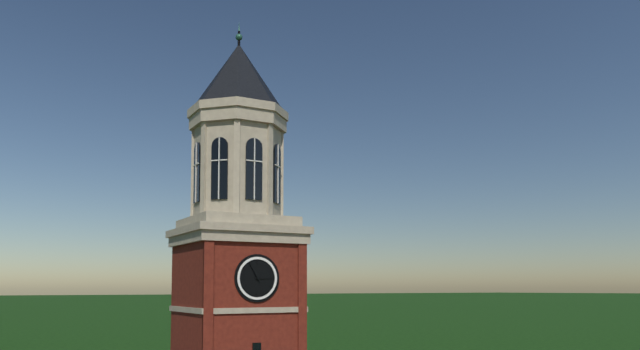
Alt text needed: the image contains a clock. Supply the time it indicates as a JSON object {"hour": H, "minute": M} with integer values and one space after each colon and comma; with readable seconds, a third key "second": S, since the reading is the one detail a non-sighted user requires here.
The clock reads {"hour": 2, "minute": 55}
